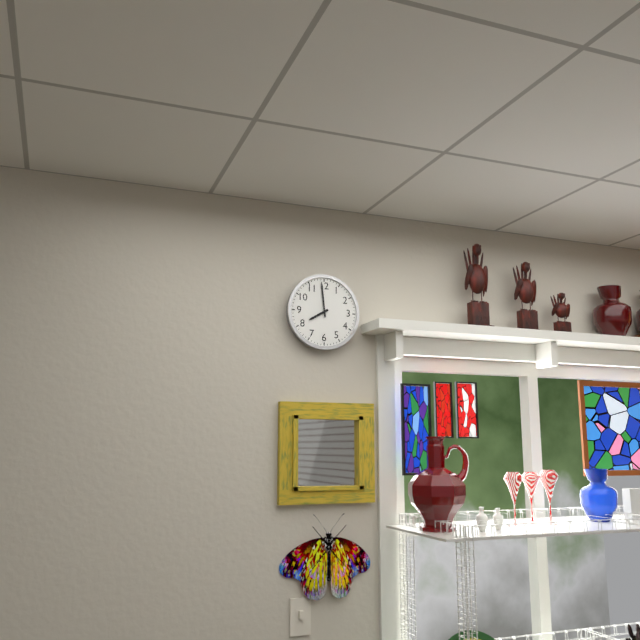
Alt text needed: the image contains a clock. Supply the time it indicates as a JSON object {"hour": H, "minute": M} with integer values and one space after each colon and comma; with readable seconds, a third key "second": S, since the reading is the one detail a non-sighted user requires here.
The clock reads {"hour": 7, "minute": 59}
